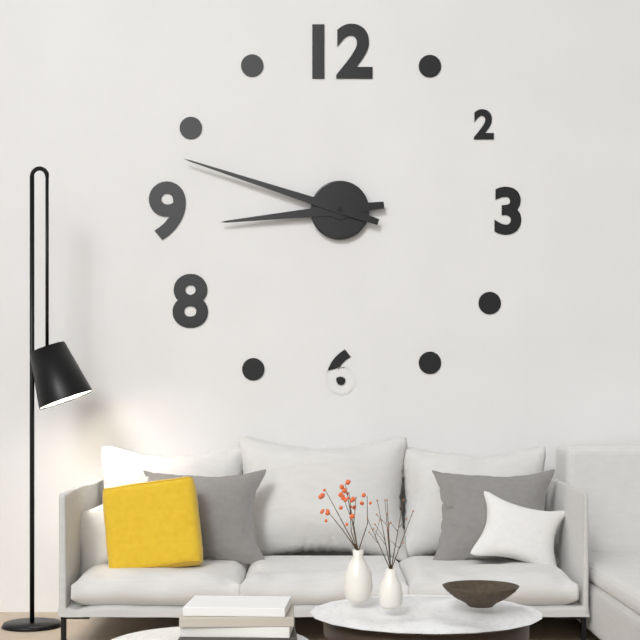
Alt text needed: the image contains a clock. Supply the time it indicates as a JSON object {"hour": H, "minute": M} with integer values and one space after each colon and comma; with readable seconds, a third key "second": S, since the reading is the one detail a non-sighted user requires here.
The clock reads {"hour": 8, "minute": 48}
